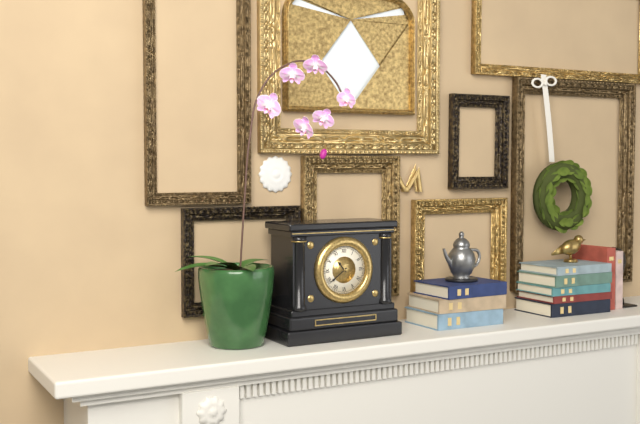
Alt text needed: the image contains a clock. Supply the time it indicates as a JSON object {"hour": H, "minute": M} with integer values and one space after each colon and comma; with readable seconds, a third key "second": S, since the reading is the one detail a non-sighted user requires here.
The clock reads {"hour": 10, "minute": 39}
